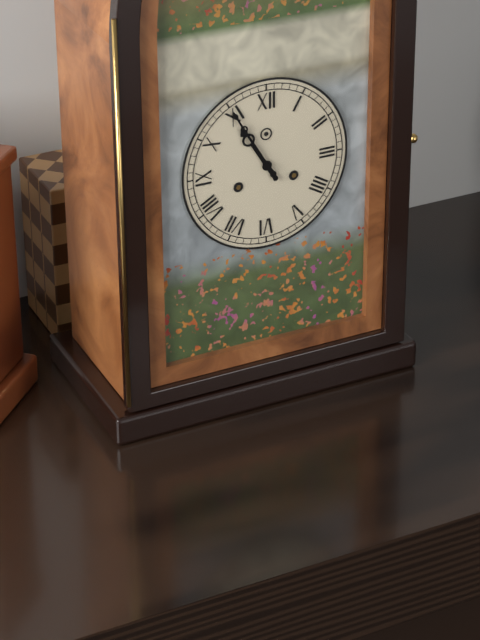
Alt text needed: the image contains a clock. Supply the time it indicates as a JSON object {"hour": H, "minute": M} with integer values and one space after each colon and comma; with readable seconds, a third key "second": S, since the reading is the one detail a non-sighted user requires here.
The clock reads {"hour": 10, "minute": 55}
